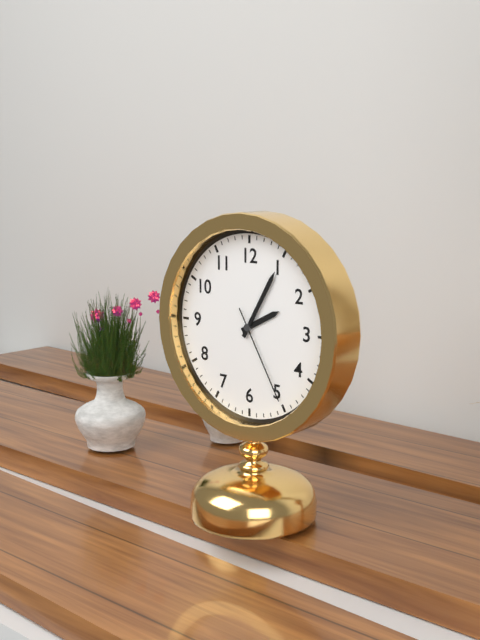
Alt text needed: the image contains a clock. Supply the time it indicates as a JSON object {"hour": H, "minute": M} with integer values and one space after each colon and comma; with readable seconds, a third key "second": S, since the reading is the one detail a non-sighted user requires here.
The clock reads {"hour": 2, "minute": 5, "second": 25}
